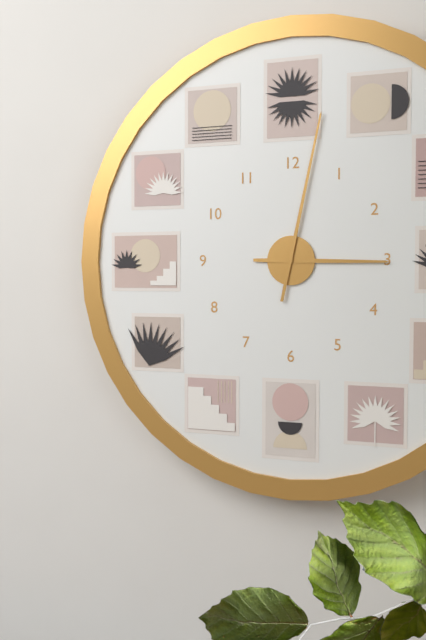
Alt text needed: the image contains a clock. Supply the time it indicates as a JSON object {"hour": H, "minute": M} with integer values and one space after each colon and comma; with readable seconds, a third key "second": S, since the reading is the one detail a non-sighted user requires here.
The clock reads {"hour": 3, "minute": 2}
